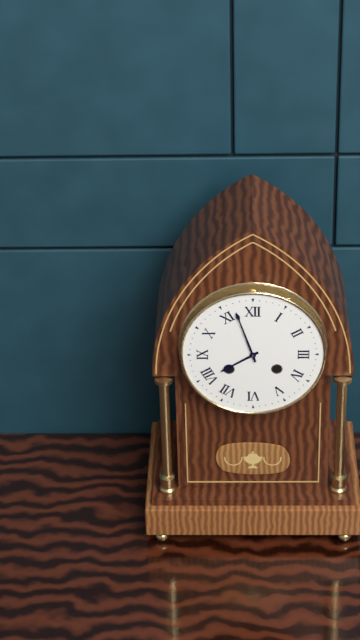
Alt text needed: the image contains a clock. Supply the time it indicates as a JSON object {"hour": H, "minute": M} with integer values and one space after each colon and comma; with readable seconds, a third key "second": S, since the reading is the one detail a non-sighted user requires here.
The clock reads {"hour": 7, "minute": 57}
